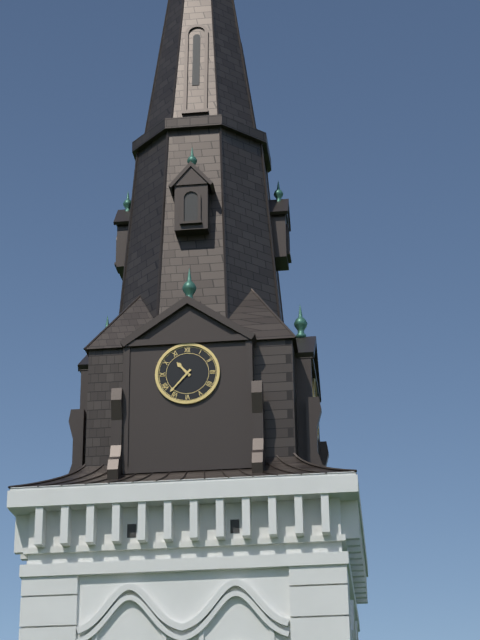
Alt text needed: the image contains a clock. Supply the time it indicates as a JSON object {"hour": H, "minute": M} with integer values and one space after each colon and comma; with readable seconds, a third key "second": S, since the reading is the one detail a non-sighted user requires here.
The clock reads {"hour": 10, "minute": 37}
